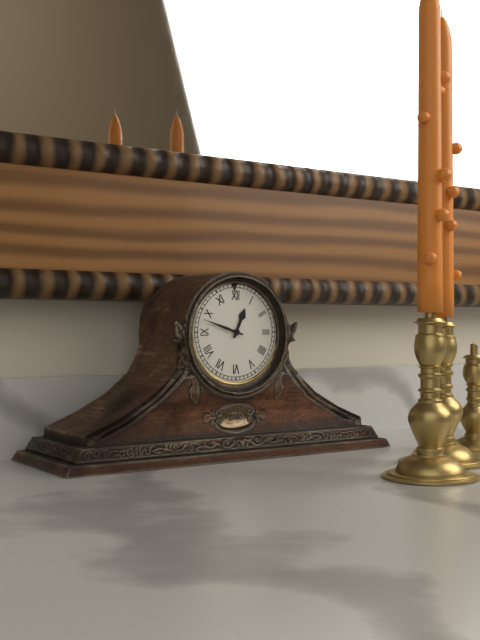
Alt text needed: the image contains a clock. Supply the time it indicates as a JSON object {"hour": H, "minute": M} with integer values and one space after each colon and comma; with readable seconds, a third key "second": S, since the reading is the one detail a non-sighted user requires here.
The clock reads {"hour": 12, "minute": 48}
